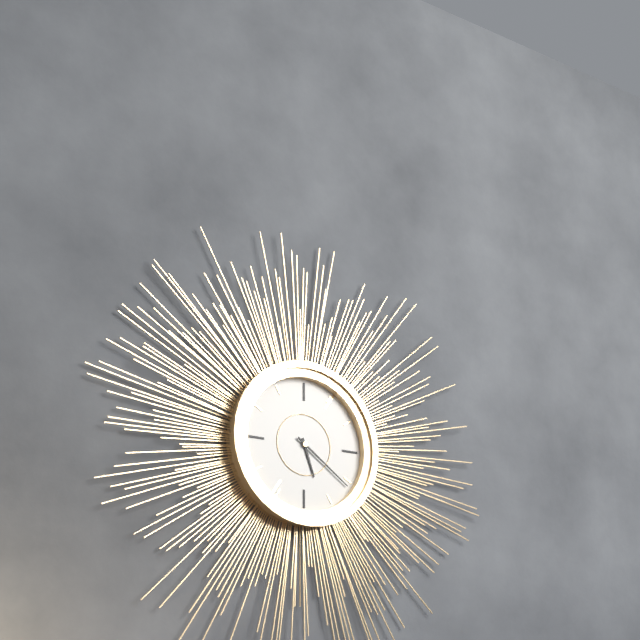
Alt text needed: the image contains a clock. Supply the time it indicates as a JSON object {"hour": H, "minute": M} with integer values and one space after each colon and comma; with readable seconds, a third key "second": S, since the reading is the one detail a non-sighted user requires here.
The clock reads {"hour": 5, "minute": 21}
